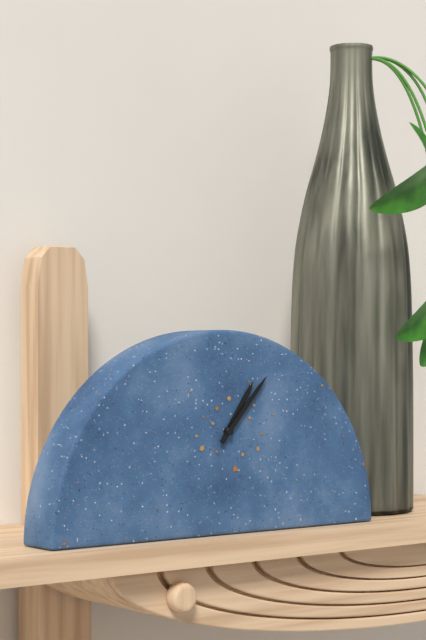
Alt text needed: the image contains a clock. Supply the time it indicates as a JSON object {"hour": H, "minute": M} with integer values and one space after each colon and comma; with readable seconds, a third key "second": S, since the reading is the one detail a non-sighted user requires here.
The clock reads {"hour": 1, "minute": 7}
